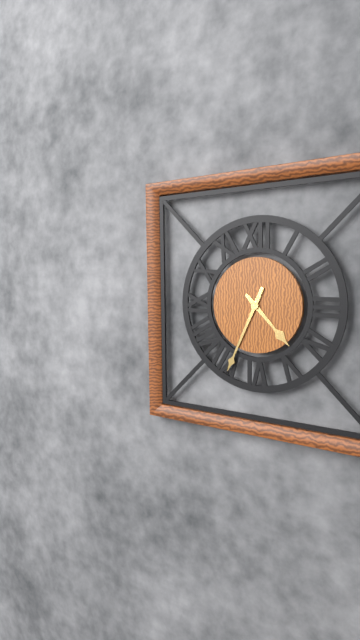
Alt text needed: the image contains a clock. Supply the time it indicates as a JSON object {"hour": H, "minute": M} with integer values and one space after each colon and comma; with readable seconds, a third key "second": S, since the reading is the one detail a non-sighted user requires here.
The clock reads {"hour": 4, "minute": 34}
